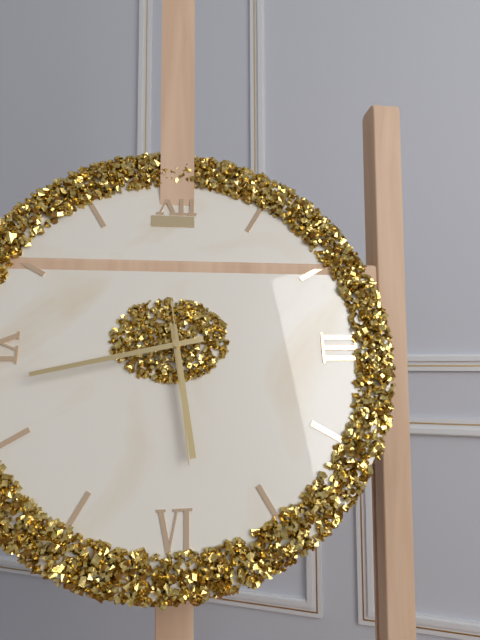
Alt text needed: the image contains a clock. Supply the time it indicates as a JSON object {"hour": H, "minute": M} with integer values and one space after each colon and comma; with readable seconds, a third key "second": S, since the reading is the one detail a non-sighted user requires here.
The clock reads {"hour": 5, "minute": 43, "second": 29}
